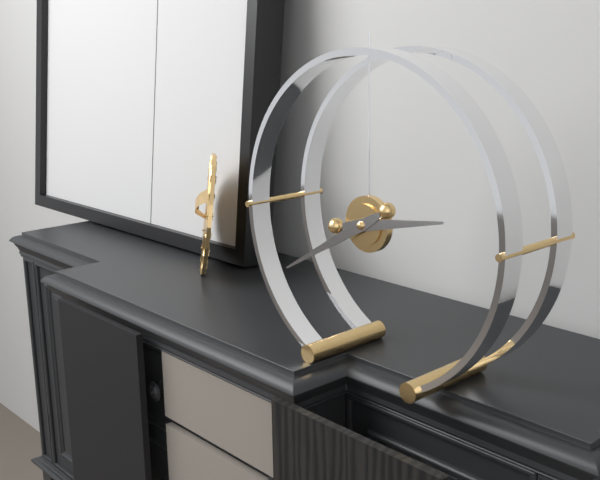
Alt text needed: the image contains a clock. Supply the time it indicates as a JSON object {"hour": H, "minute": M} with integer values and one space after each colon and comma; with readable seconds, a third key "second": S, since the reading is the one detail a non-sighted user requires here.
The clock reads {"hour": 2, "minute": 40}
